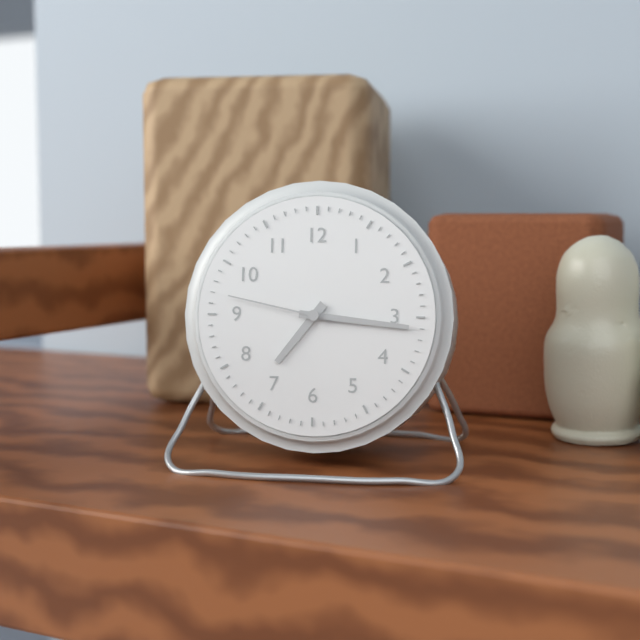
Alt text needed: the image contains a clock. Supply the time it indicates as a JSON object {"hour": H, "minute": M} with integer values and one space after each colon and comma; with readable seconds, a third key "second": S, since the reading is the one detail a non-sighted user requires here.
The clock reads {"hour": 7, "minute": 16, "second": 47}
